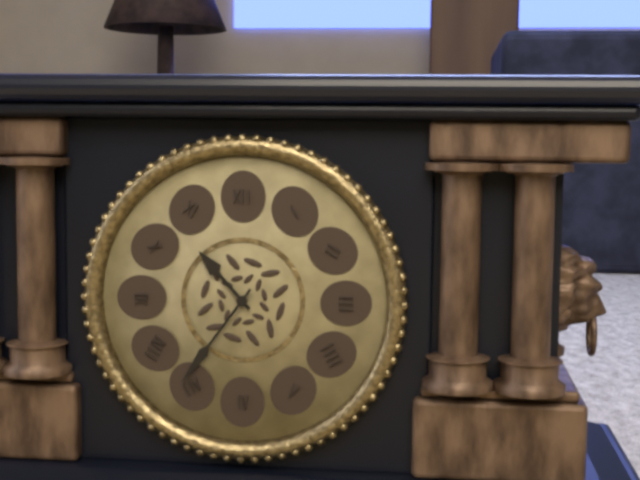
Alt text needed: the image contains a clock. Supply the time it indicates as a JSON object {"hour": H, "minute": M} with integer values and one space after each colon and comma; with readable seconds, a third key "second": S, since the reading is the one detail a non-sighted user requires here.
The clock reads {"hour": 10, "minute": 36}
